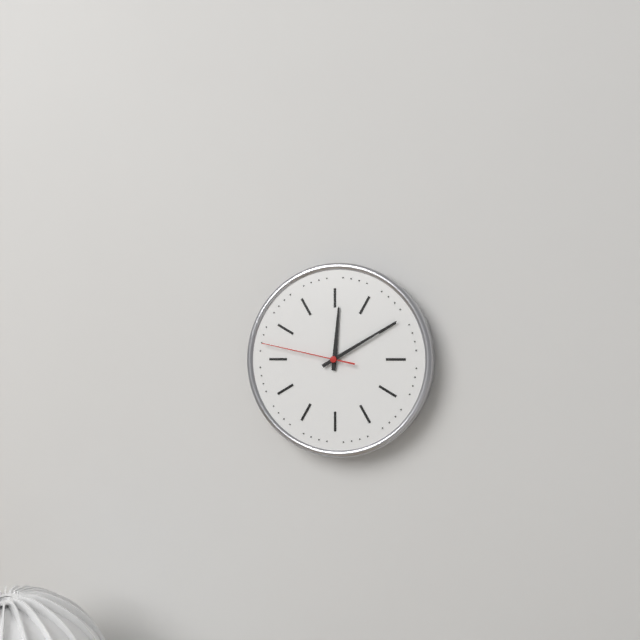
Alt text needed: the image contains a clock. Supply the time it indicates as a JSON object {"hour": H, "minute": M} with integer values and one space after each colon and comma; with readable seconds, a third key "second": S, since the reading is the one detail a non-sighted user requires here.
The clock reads {"hour": 12, "minute": 10, "second": 47}
